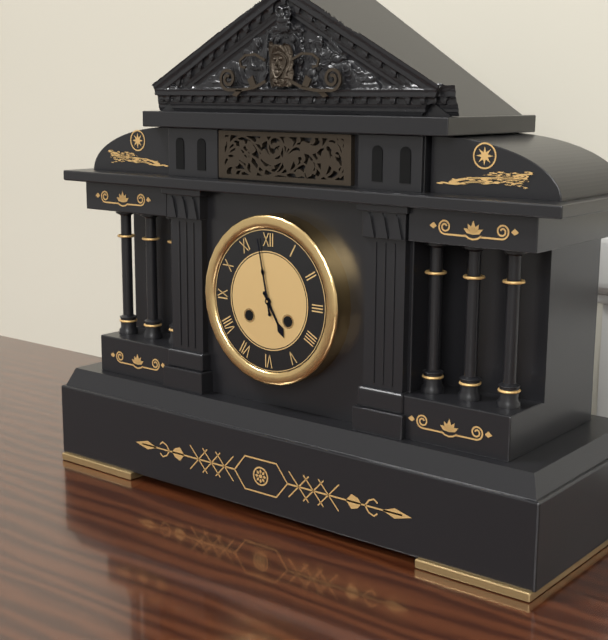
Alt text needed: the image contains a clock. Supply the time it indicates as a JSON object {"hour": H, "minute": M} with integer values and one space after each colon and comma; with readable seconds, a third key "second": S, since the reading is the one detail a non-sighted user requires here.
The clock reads {"hour": 4, "minute": 58}
